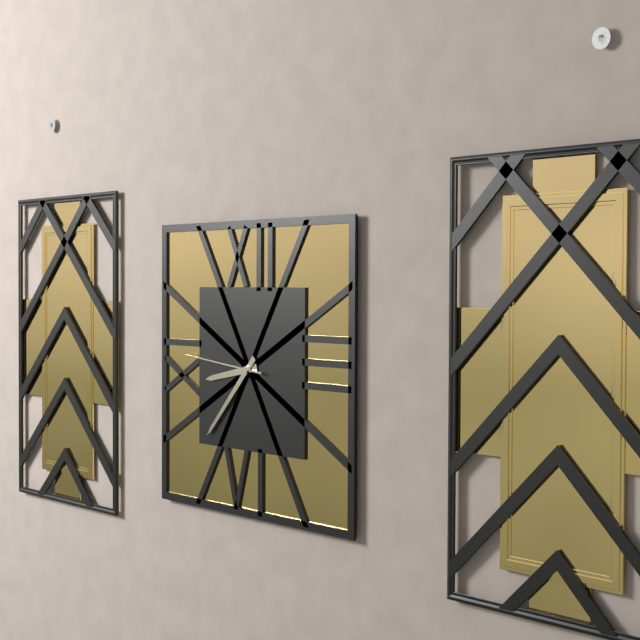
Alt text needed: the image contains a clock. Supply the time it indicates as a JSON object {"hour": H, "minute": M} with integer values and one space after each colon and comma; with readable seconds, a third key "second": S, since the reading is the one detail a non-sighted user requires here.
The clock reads {"hour": 8, "minute": 37, "second": 46}
